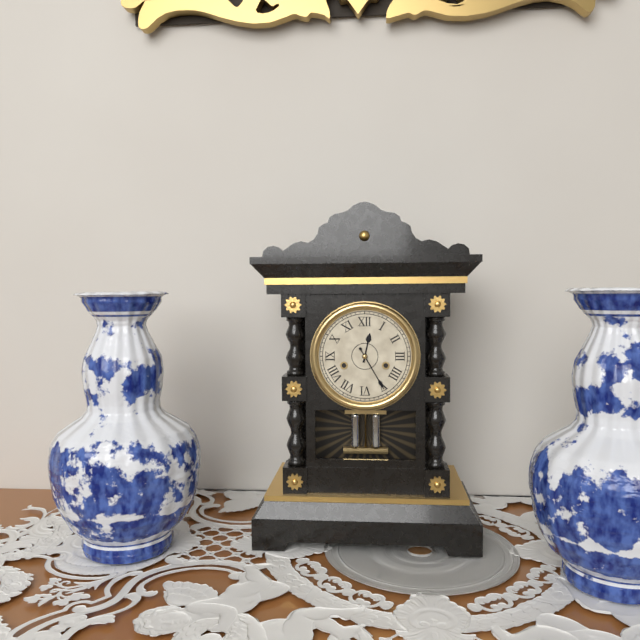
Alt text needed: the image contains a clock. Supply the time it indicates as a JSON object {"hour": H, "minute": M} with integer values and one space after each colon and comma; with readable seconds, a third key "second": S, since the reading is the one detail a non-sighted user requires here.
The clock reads {"hour": 12, "minute": 25}
